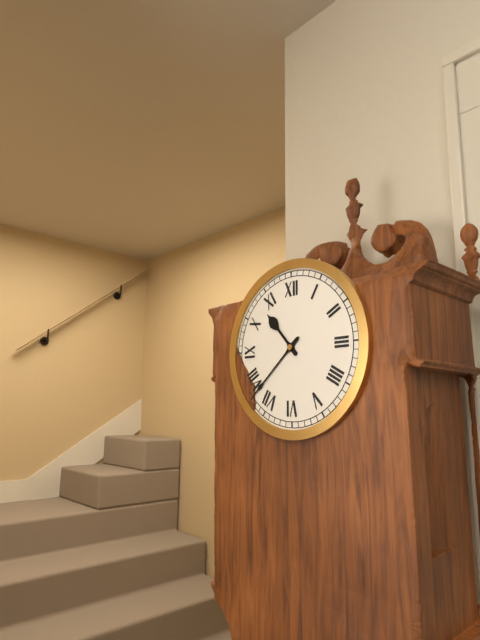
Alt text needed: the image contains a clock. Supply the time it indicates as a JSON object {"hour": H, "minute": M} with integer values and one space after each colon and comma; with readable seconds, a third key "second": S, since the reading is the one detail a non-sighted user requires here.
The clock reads {"hour": 10, "minute": 38}
